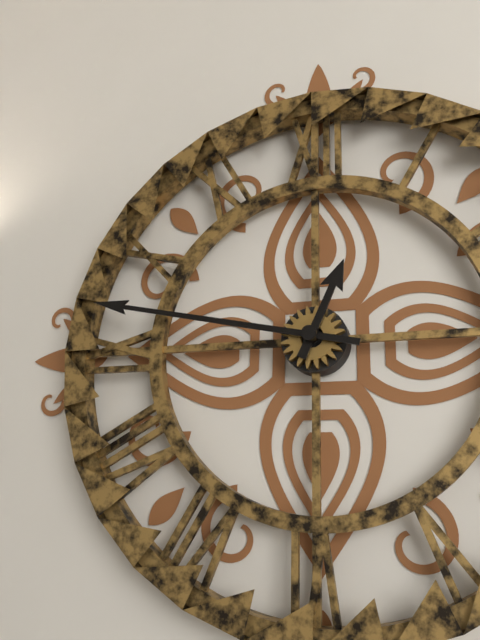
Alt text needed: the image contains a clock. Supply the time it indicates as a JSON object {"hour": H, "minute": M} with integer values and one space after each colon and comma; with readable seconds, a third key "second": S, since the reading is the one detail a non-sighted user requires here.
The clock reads {"hour": 12, "minute": 47}
